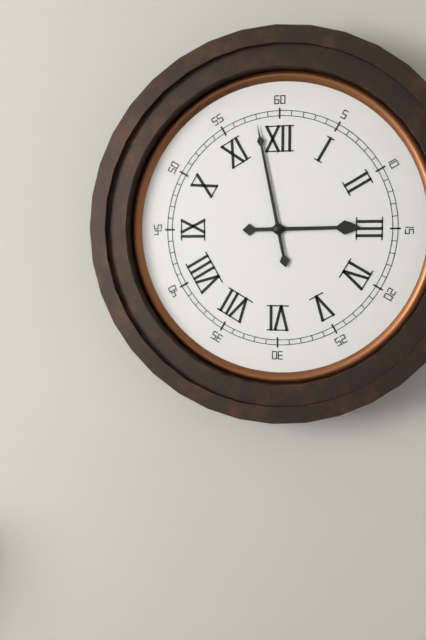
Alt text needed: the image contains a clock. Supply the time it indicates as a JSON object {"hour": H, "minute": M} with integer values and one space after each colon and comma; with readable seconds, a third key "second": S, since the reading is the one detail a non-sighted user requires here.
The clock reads {"hour": 2, "minute": 58}
